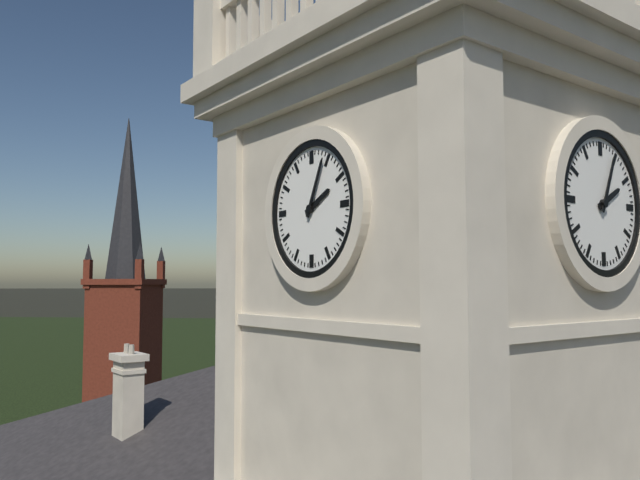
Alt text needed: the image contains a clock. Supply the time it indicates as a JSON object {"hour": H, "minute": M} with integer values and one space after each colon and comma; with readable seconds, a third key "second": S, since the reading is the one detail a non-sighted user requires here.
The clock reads {"hour": 2, "minute": 4}
